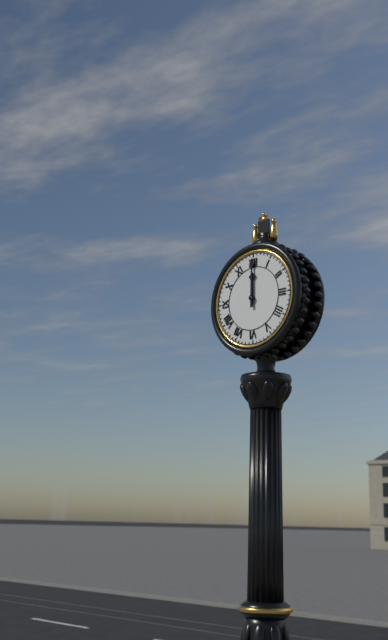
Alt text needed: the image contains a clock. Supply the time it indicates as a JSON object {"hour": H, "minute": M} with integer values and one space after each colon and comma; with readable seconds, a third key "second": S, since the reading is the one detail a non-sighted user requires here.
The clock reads {"hour": 12, "minute": 0}
